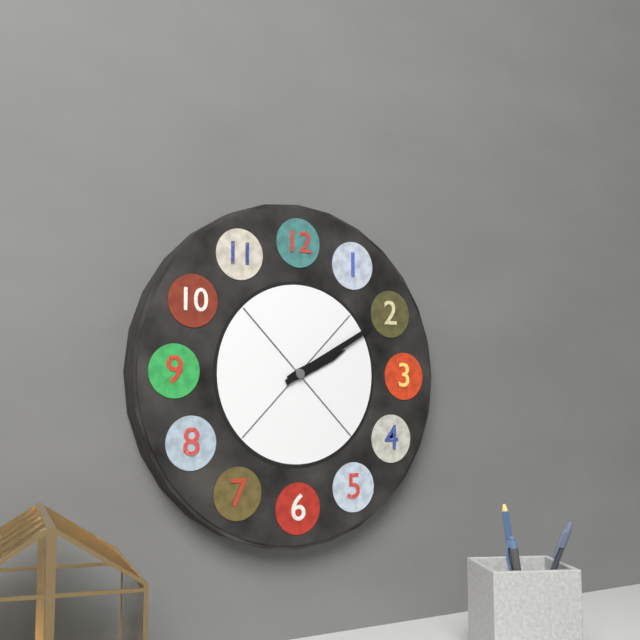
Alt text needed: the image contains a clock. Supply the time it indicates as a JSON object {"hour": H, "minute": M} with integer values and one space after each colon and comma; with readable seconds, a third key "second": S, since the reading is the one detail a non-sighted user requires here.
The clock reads {"hour": 2, "minute": 10}
